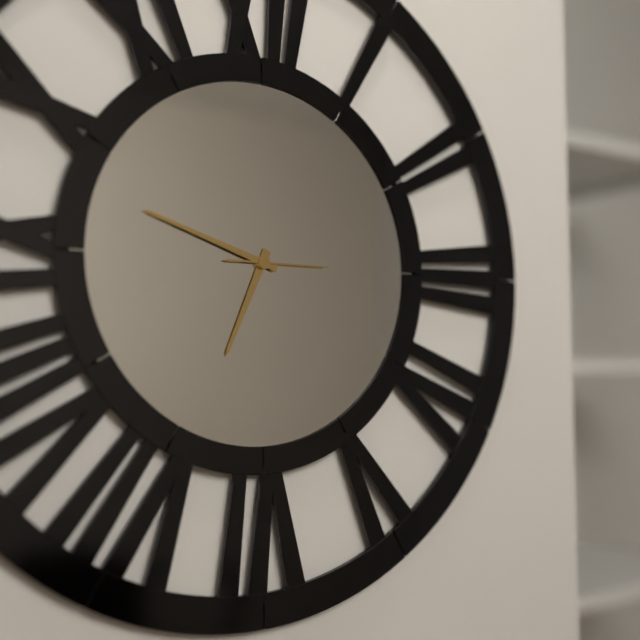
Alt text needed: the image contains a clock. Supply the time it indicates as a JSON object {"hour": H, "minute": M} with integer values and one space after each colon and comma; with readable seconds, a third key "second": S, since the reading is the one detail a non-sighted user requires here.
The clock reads {"hour": 6, "minute": 48, "second": 15}
